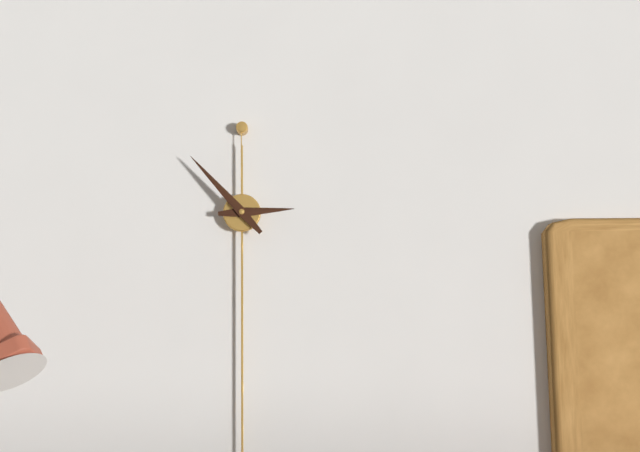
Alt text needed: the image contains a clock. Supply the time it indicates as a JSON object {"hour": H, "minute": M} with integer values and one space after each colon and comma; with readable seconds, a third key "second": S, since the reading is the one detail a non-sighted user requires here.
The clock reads {"hour": 2, "minute": 53}
